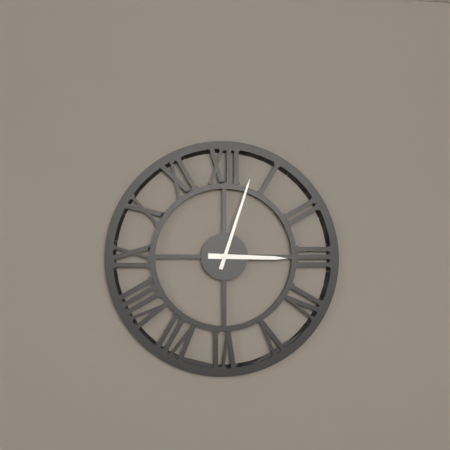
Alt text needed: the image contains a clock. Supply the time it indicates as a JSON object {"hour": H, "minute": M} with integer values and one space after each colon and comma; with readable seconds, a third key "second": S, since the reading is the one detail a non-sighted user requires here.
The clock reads {"hour": 3, "minute": 3}
